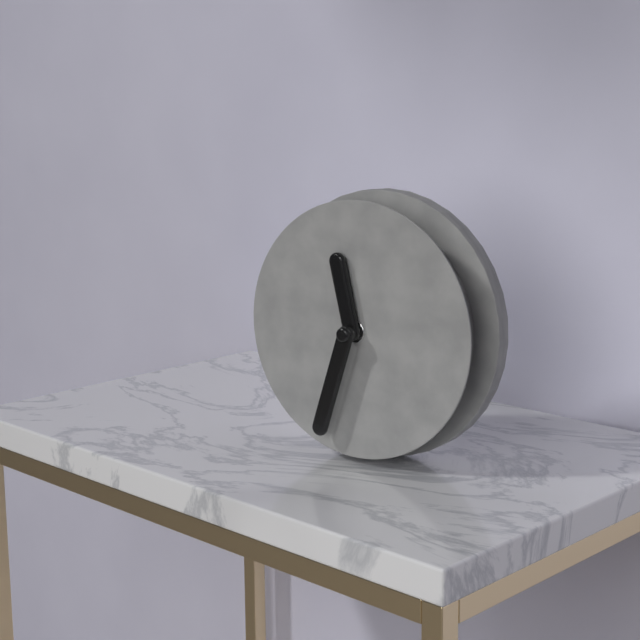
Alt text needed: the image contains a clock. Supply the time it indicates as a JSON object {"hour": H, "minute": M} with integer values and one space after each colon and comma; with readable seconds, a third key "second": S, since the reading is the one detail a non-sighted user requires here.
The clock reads {"hour": 11, "minute": 33}
